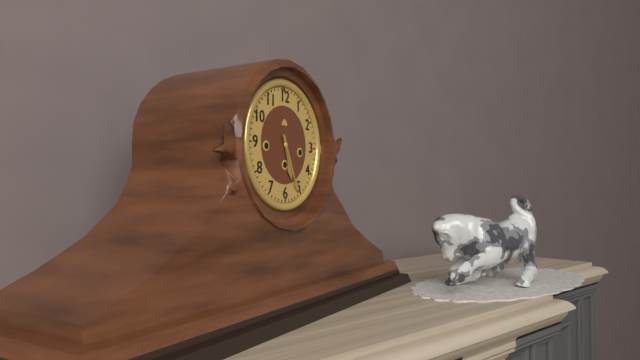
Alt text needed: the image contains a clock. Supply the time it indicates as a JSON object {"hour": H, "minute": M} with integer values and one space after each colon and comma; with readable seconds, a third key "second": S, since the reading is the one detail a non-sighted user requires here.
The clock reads {"hour": 5, "minute": 26}
